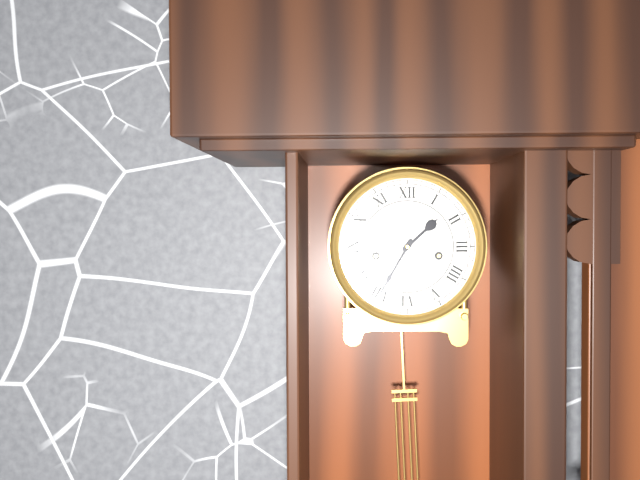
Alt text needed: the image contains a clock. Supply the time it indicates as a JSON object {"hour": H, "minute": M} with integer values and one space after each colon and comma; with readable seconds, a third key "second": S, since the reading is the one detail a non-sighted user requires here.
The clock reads {"hour": 1, "minute": 35}
